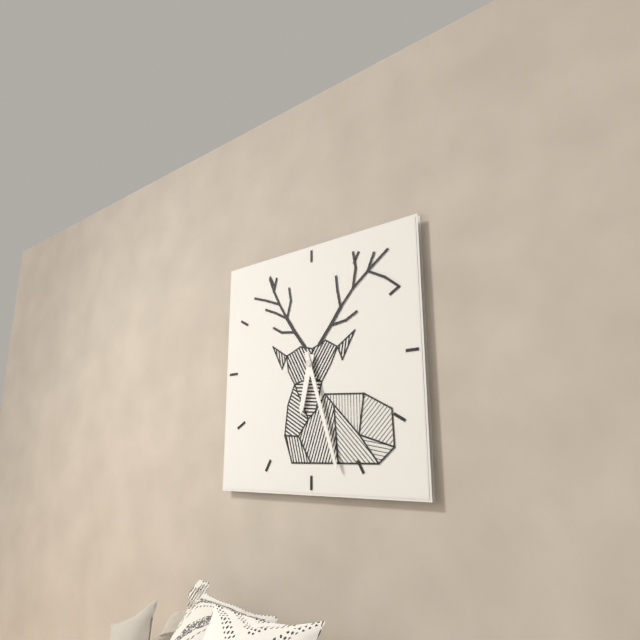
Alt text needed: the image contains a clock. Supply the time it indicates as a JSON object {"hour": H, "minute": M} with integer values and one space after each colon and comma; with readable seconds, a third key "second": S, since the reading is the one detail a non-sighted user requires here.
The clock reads {"hour": 6, "minute": 27}
